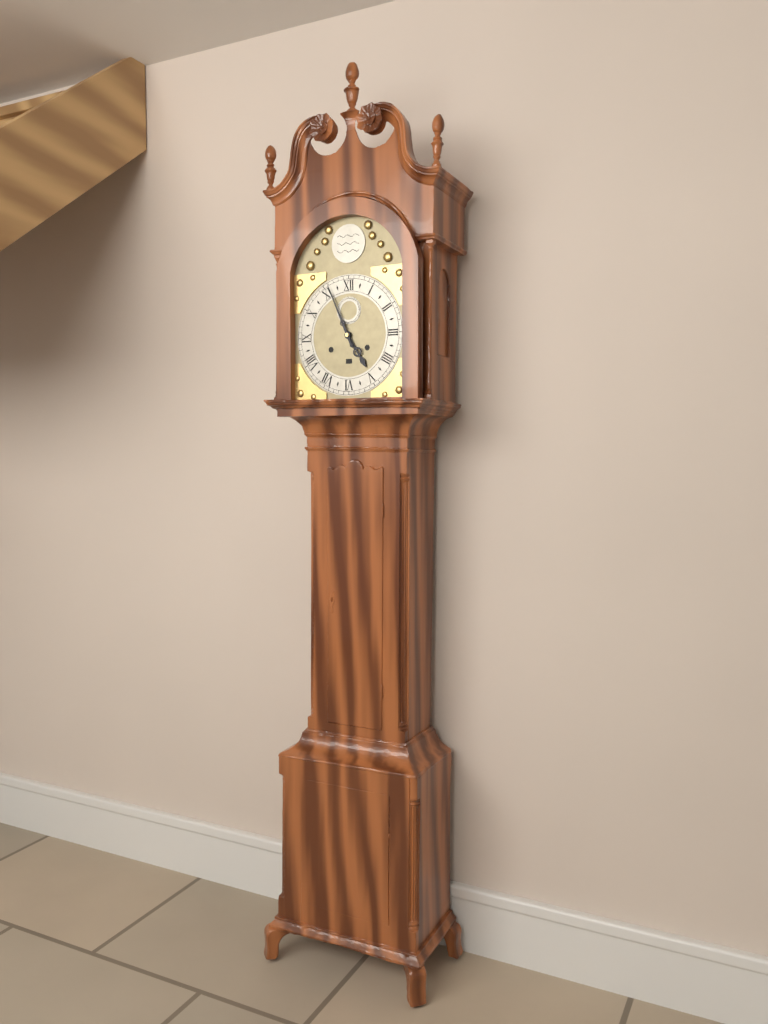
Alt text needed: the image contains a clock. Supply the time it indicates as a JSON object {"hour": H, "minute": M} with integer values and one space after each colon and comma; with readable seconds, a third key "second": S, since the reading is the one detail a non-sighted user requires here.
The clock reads {"hour": 4, "minute": 56}
